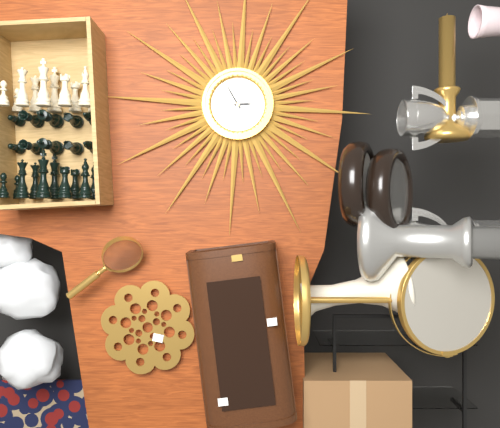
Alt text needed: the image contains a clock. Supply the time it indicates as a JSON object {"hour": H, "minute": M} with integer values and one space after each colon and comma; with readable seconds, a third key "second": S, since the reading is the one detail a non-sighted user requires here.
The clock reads {"hour": 2, "minute": 55}
